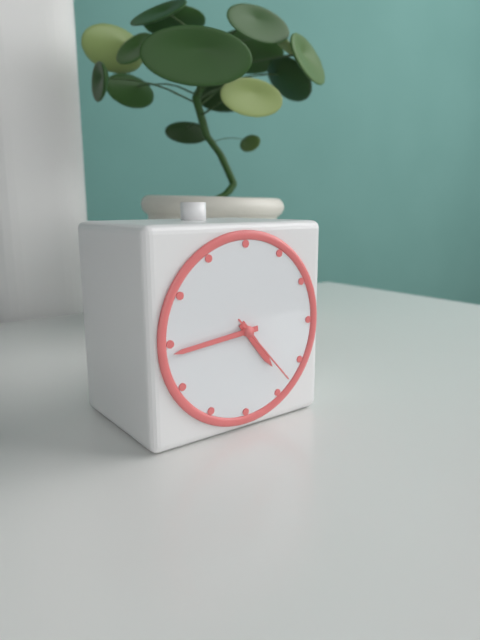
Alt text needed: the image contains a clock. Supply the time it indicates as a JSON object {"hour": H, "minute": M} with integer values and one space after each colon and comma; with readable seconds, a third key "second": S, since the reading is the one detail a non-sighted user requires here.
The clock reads {"hour": 4, "minute": 44, "second": 23}
